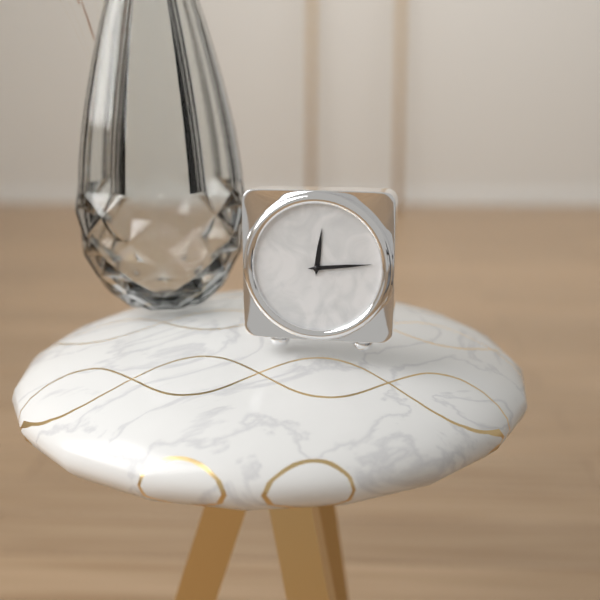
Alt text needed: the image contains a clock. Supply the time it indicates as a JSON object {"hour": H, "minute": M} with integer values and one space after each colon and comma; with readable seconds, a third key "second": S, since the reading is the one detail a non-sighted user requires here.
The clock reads {"hour": 12, "minute": 14}
